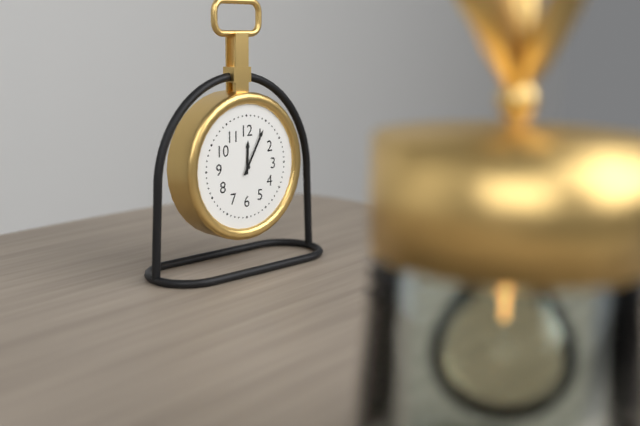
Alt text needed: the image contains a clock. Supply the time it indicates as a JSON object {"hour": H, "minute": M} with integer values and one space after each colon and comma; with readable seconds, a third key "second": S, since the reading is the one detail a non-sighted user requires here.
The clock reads {"hour": 12, "minute": 5}
